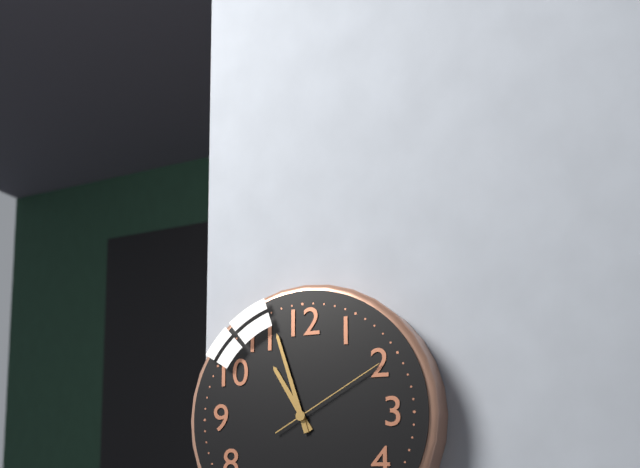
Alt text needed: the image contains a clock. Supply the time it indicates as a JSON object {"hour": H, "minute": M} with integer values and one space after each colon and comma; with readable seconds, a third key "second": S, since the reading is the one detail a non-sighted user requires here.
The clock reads {"hour": 10, "minute": 57, "second": 10}
